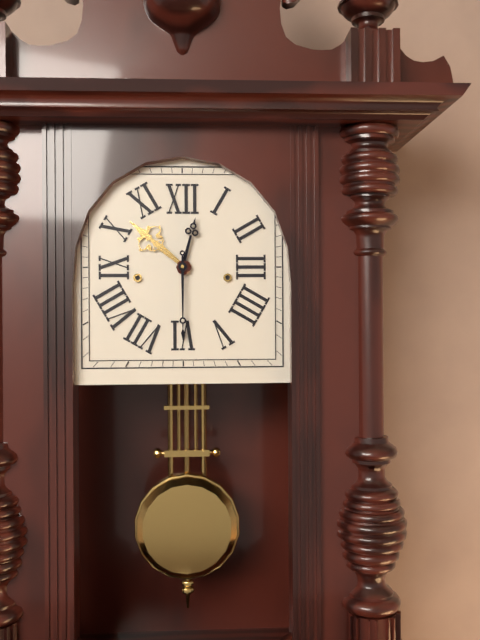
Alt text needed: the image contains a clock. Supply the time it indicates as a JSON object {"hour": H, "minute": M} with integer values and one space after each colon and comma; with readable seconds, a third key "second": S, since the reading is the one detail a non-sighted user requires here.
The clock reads {"hour": 12, "minute": 30}
